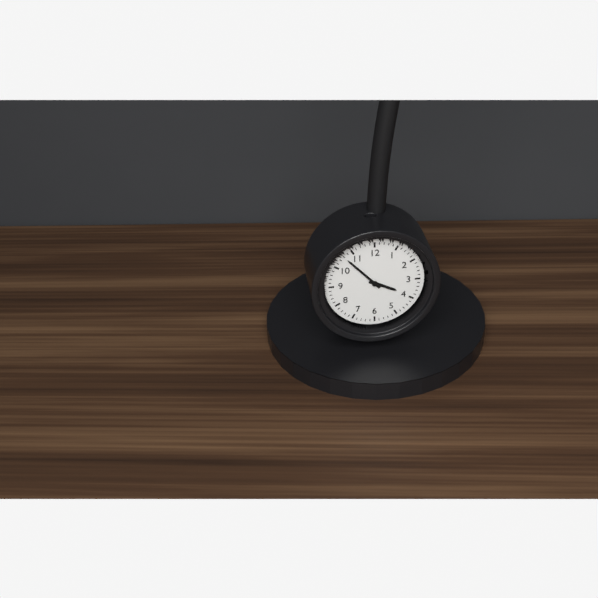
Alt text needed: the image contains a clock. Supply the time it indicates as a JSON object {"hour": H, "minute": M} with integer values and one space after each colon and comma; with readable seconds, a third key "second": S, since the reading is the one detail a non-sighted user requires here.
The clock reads {"hour": 3, "minute": 53}
